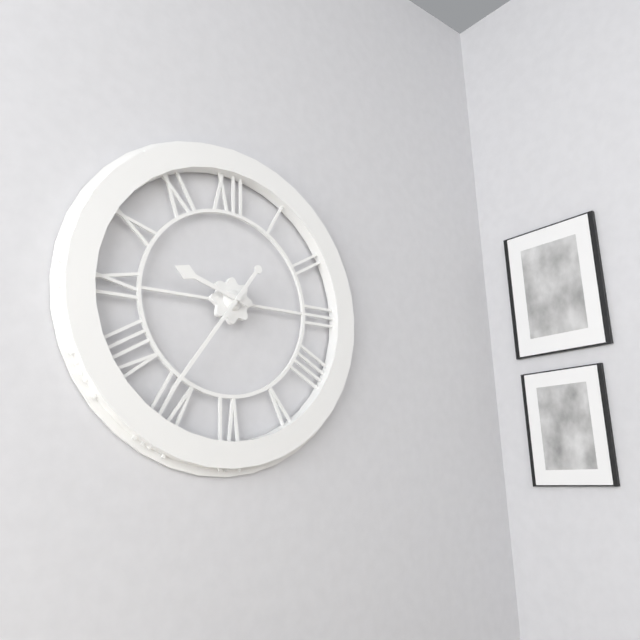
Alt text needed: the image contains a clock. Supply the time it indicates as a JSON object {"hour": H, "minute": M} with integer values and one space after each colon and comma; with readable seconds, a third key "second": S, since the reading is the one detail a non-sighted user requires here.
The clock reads {"hour": 9, "minute": 36}
